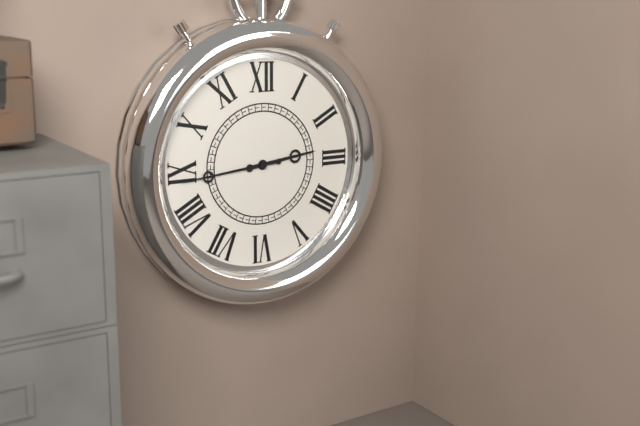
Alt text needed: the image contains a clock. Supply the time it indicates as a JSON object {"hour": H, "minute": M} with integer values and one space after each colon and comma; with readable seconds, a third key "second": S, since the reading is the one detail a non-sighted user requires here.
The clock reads {"hour": 2, "minute": 44}
